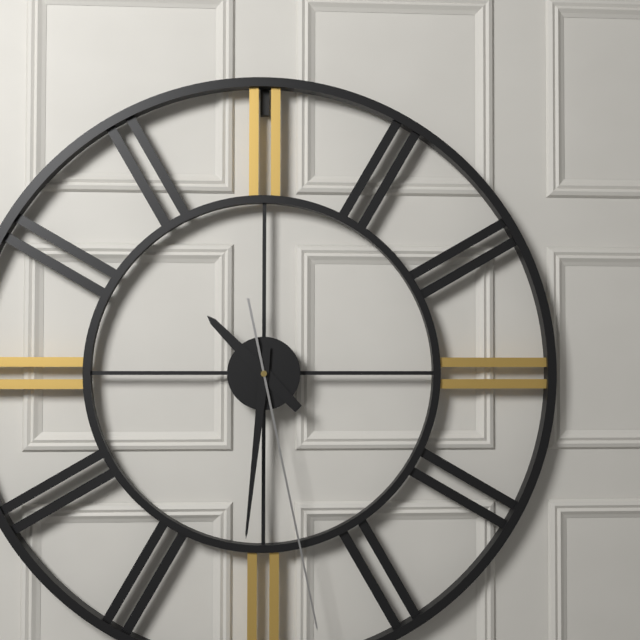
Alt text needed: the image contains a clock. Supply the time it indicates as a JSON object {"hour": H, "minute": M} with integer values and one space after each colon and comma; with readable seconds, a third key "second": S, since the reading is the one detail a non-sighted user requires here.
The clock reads {"hour": 10, "minute": 31, "second": 28}
